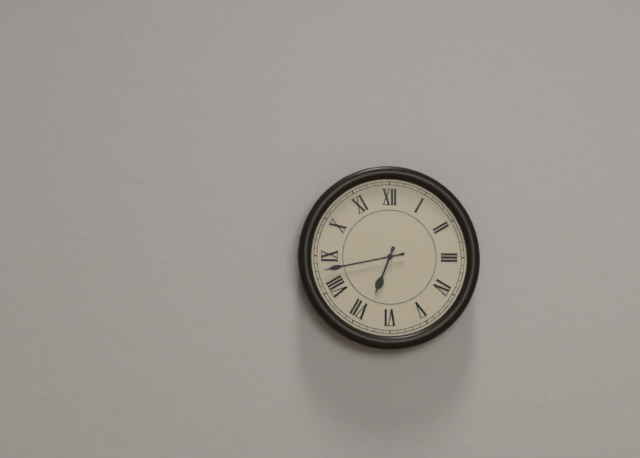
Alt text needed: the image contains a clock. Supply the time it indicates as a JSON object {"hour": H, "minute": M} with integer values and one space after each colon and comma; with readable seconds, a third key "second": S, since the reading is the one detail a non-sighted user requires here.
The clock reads {"hour": 6, "minute": 43}
